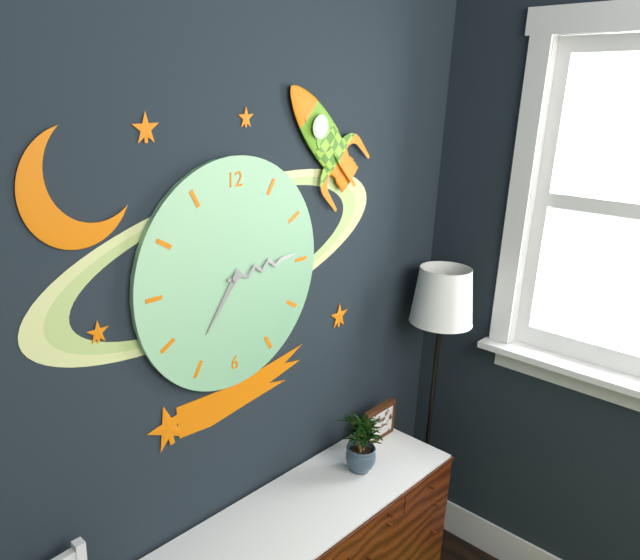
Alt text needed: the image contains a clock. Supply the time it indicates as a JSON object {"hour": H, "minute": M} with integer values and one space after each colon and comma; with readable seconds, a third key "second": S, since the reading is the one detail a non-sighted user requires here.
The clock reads {"hour": 7, "minute": 14}
